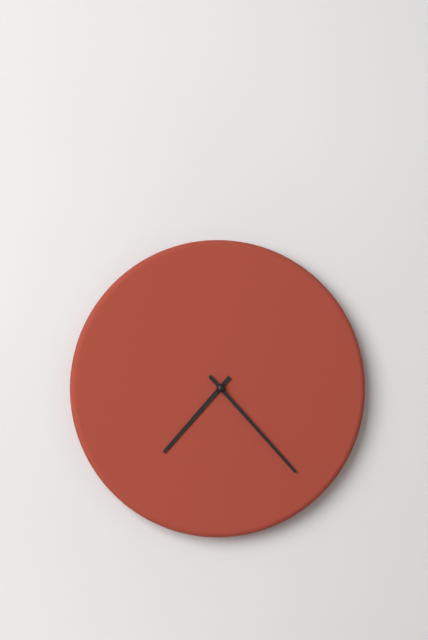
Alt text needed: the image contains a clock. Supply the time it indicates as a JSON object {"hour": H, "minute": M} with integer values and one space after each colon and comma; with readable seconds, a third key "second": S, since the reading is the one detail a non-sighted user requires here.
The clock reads {"hour": 7, "minute": 23}
